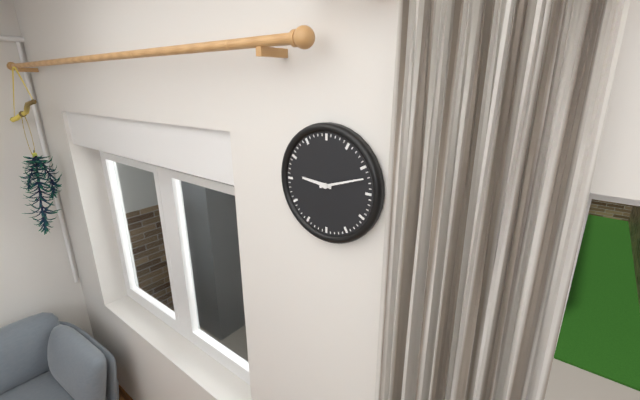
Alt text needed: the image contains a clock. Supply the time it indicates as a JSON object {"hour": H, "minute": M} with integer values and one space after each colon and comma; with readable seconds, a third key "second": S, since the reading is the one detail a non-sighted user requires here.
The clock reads {"hour": 9, "minute": 12}
